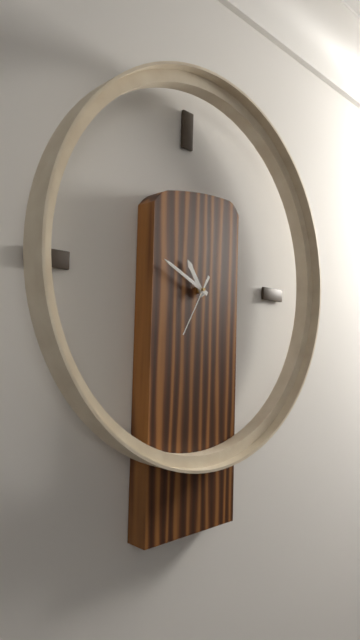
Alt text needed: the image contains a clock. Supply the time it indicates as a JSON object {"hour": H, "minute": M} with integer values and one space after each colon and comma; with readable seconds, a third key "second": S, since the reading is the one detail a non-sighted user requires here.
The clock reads {"hour": 10, "minute": 49, "second": 35}
